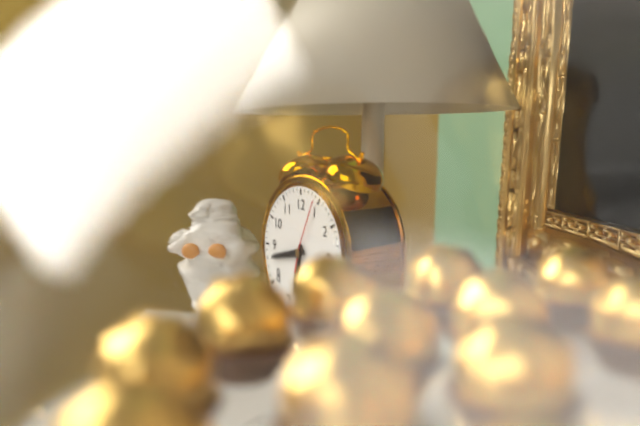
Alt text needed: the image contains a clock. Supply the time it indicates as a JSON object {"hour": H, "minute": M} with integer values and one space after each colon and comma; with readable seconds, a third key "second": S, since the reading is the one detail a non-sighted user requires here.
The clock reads {"hour": 6, "minute": 43, "second": 4}
